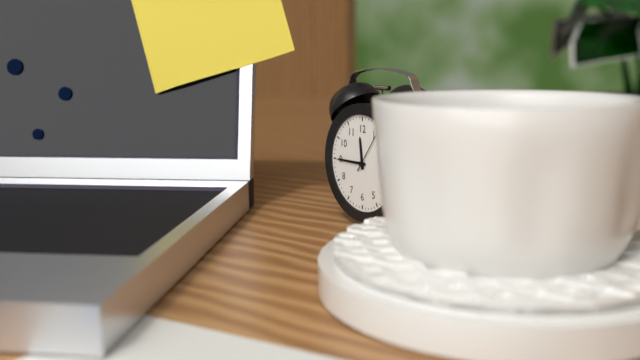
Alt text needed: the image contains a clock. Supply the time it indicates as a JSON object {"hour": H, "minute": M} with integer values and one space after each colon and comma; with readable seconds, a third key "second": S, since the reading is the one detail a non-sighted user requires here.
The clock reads {"hour": 11, "minute": 45}
